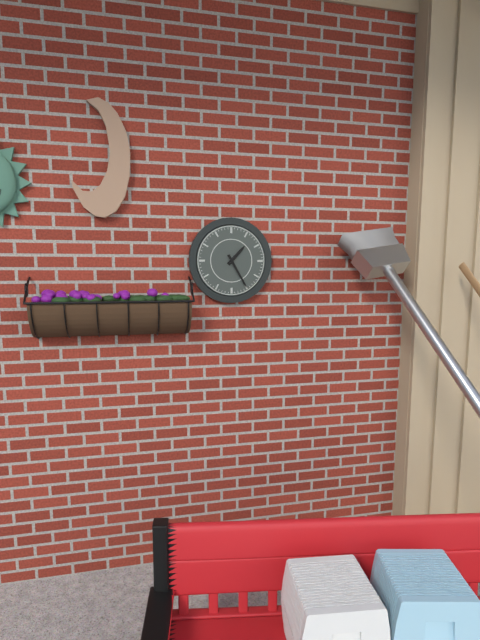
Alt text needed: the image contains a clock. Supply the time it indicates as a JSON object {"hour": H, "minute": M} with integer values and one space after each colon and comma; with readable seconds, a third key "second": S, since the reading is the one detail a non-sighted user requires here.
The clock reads {"hour": 1, "minute": 25}
